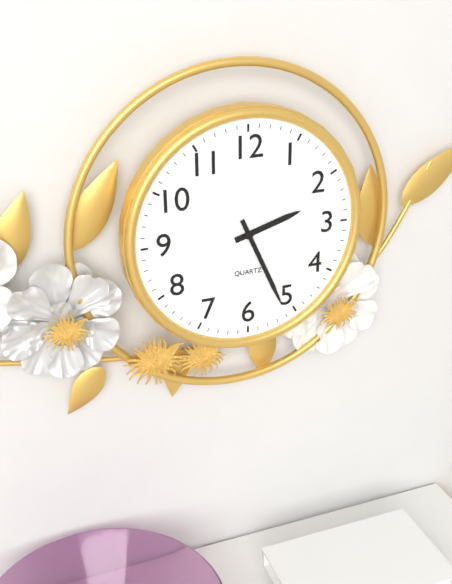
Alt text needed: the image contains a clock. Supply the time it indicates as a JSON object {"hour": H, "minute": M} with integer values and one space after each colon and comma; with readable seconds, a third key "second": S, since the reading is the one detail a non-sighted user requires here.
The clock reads {"hour": 2, "minute": 26}
